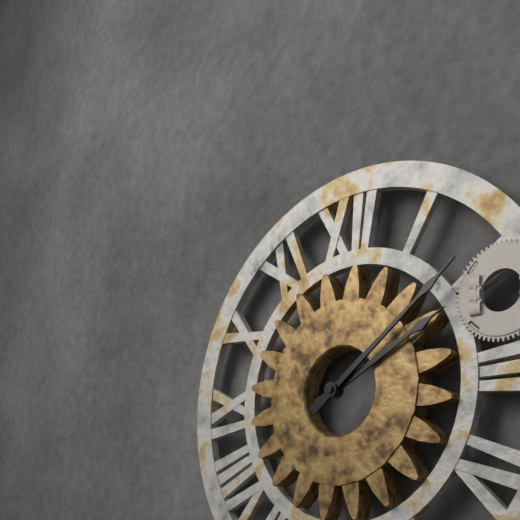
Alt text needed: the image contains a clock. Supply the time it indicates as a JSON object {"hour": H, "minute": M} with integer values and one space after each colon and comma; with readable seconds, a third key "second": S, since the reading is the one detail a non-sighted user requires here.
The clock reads {"hour": 2, "minute": 9}
